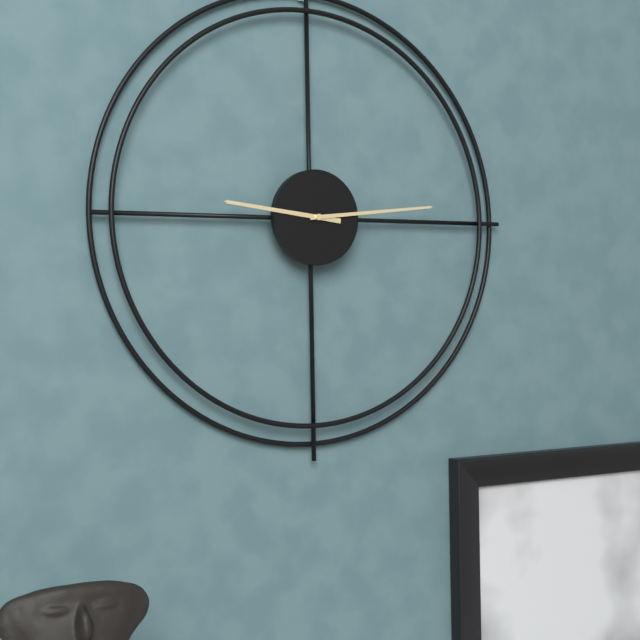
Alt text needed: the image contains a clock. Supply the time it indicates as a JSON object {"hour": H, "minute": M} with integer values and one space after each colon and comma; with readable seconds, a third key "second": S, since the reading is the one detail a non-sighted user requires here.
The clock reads {"hour": 9, "minute": 14}
